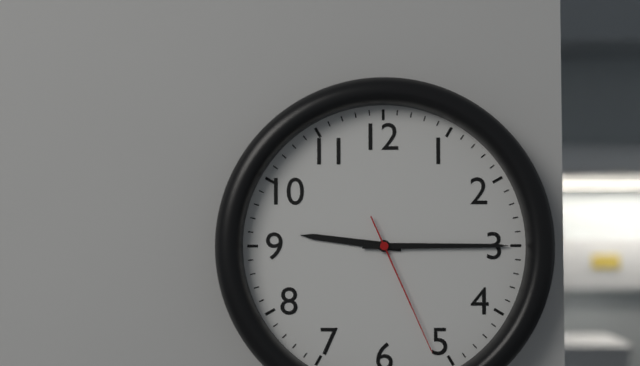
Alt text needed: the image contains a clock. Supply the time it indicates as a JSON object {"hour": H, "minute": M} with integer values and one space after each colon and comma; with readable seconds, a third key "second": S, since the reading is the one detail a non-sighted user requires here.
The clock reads {"hour": 9, "minute": 15, "second": 26}
